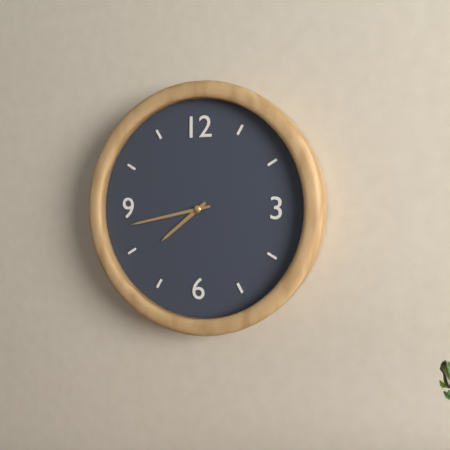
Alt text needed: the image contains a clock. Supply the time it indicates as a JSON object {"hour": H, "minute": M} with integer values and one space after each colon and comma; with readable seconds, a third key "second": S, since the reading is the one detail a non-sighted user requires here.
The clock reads {"hour": 7, "minute": 43}
